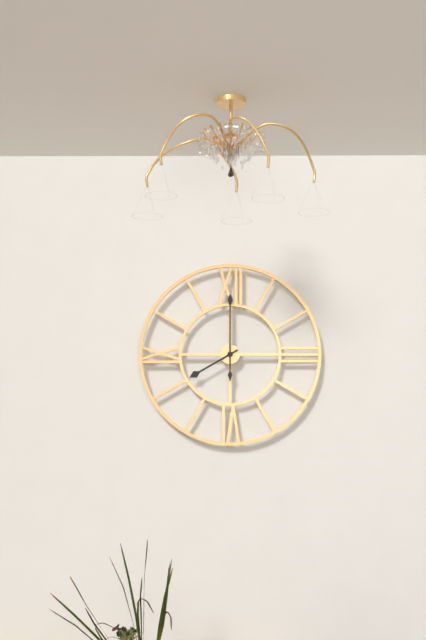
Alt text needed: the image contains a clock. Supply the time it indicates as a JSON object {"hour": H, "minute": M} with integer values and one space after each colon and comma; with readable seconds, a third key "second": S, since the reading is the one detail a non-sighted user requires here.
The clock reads {"hour": 8, "minute": 0}
